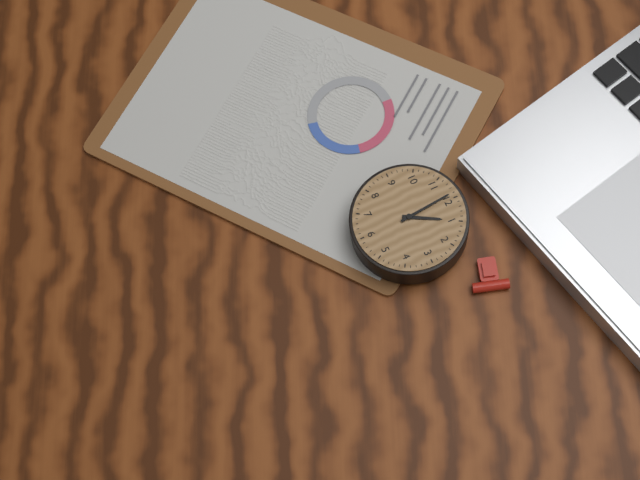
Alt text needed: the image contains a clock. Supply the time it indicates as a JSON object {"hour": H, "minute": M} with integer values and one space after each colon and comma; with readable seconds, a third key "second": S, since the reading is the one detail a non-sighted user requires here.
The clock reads {"hour": 12, "minute": 59}
